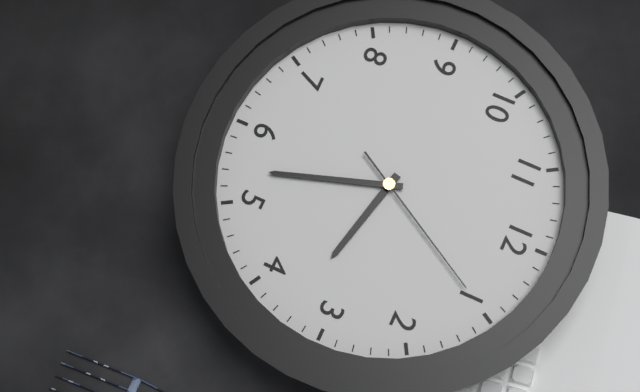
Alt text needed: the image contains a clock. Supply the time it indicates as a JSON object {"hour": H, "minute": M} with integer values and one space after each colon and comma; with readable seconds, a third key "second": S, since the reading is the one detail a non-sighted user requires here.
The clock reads {"hour": 3, "minute": 27, "second": 5}
